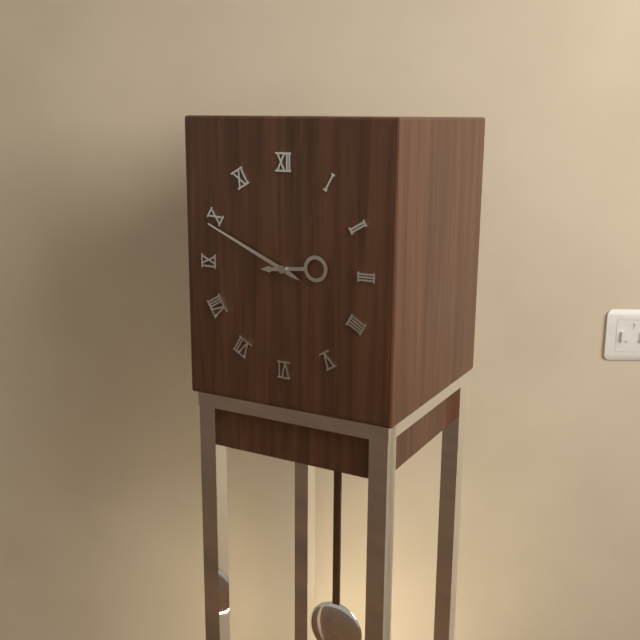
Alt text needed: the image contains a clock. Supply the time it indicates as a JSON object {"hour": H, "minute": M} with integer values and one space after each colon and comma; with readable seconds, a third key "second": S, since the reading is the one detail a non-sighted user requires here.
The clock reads {"hour": 2, "minute": 49}
